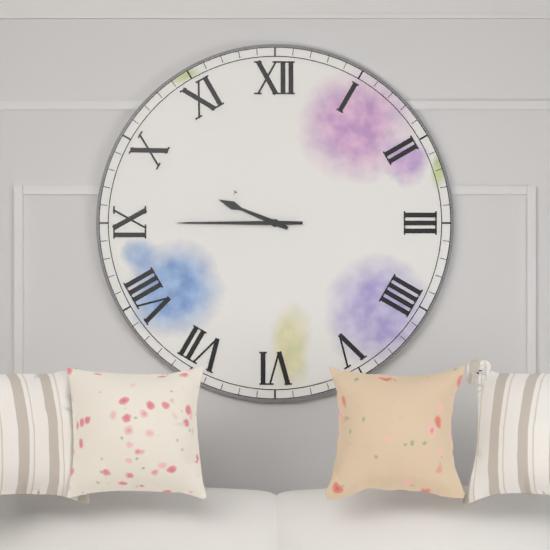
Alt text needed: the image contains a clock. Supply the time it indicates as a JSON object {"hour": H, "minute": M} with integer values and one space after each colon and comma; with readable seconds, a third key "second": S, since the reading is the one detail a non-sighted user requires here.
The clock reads {"hour": 9, "minute": 45}
